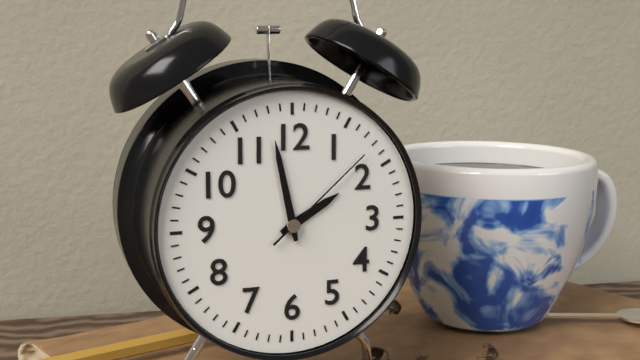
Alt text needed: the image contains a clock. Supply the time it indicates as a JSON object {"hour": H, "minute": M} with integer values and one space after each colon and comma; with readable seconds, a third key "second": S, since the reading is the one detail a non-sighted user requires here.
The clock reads {"hour": 1, "minute": 58, "second": 8}
